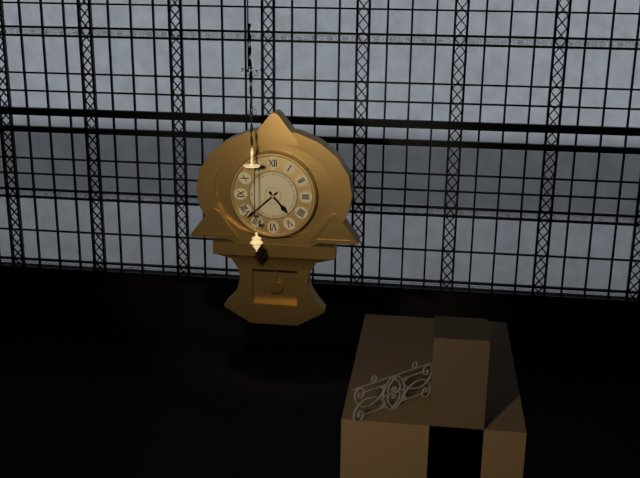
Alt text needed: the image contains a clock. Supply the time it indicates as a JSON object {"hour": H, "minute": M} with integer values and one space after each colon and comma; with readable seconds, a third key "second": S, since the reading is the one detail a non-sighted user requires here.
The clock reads {"hour": 4, "minute": 38}
